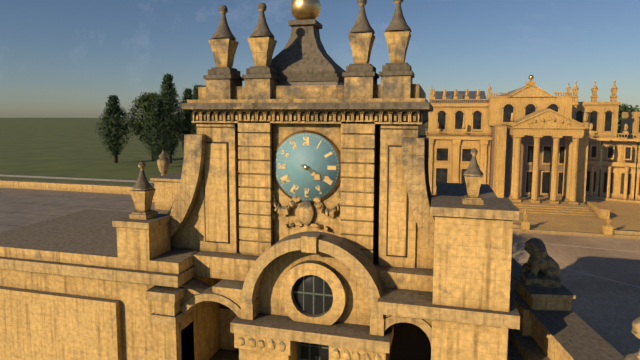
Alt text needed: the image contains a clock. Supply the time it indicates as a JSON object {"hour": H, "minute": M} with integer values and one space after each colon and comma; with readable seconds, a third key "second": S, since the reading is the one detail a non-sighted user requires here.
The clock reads {"hour": 4, "minute": 19}
